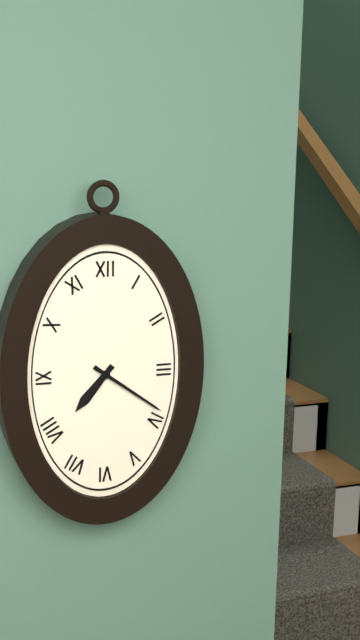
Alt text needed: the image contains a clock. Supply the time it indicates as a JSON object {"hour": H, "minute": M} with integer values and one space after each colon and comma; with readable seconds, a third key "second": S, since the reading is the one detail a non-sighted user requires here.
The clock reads {"hour": 7, "minute": 21}
